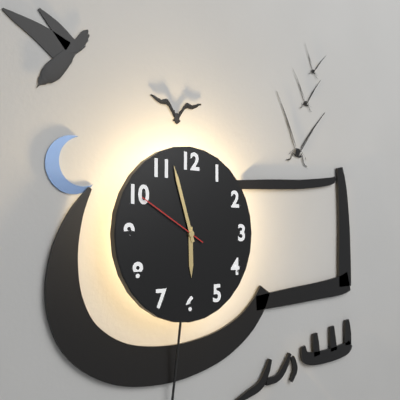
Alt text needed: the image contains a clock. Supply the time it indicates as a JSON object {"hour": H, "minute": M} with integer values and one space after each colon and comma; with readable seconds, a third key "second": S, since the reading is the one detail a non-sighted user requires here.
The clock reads {"hour": 5, "minute": 57, "second": 50}
